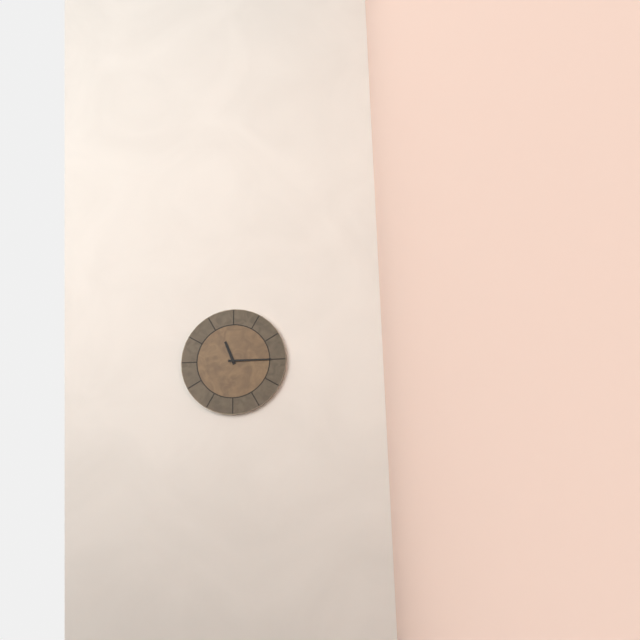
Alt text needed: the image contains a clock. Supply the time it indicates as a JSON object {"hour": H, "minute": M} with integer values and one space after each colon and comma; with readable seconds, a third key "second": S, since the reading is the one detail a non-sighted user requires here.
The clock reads {"hour": 11, "minute": 15}
